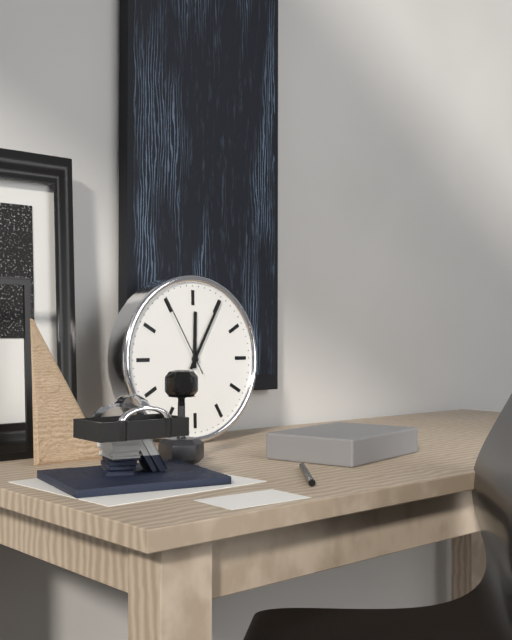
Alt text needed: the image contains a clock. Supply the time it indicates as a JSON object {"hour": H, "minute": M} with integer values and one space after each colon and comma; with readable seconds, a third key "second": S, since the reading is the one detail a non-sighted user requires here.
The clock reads {"hour": 12, "minute": 5, "second": 55}
